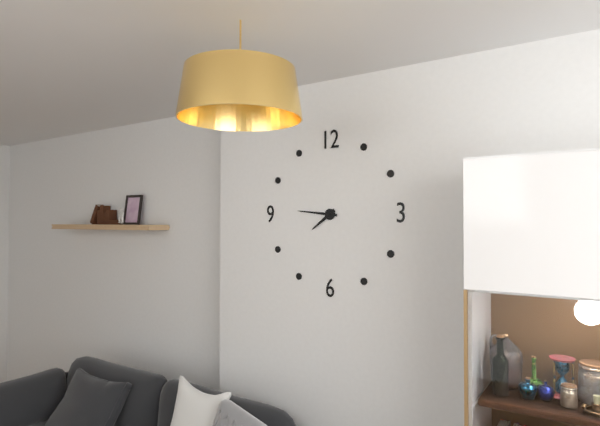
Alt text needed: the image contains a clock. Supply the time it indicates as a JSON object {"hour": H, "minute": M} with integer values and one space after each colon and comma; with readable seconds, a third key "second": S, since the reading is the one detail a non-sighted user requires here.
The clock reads {"hour": 7, "minute": 46}
